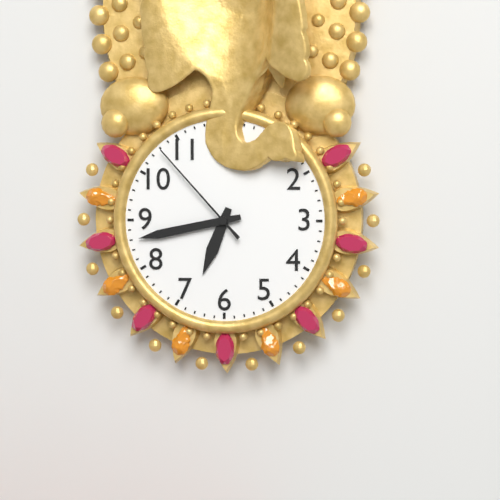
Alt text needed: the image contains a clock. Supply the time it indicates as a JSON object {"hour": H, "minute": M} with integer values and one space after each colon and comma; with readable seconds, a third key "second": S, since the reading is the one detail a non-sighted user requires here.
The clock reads {"hour": 6, "minute": 43, "second": 53}
